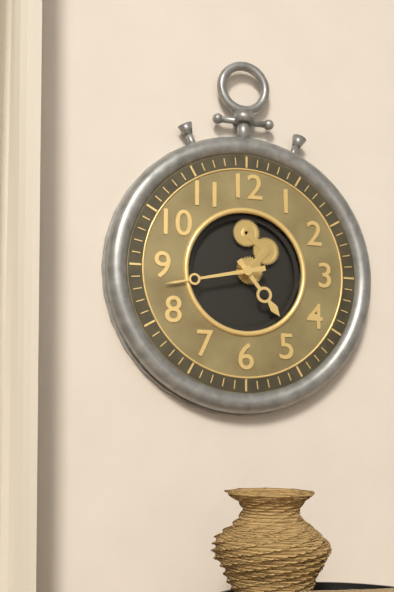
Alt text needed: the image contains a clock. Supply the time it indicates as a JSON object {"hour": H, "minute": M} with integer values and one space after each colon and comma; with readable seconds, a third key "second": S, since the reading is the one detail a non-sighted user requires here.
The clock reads {"hour": 4, "minute": 43}
